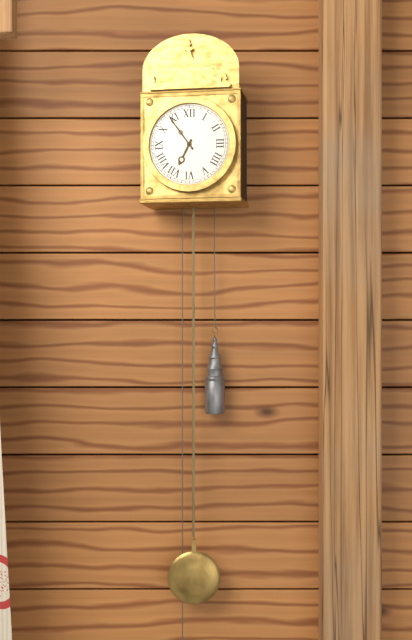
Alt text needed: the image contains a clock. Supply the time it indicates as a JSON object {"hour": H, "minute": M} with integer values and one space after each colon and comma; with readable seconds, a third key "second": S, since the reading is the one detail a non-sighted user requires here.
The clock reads {"hour": 6, "minute": 54}
